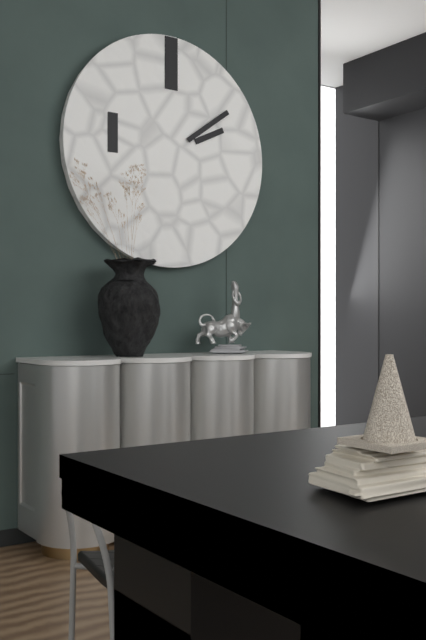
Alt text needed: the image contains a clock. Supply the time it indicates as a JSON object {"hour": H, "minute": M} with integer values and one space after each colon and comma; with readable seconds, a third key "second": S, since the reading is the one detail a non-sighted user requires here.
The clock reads {"hour": 2, "minute": 9}
